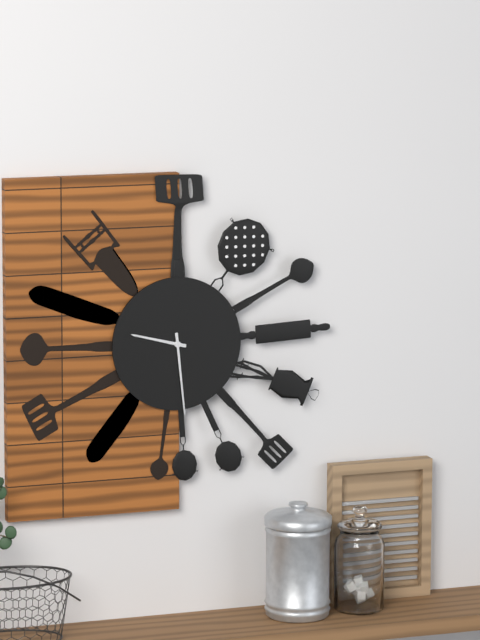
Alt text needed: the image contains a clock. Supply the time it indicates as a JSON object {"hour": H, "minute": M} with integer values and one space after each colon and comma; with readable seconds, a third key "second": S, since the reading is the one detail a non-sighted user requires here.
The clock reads {"hour": 9, "minute": 29}
